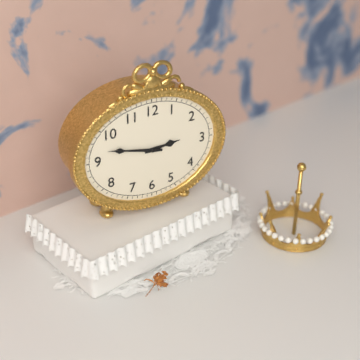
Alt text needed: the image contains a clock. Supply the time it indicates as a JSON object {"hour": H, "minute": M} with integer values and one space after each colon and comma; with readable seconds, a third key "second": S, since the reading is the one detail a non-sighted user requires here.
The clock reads {"hour": 2, "minute": 47}
